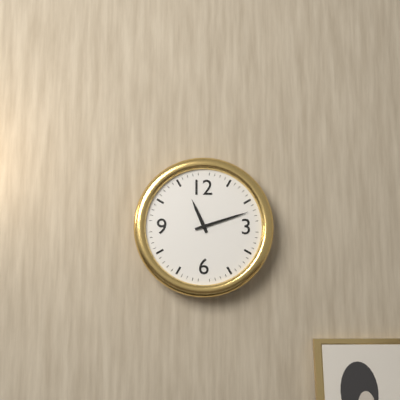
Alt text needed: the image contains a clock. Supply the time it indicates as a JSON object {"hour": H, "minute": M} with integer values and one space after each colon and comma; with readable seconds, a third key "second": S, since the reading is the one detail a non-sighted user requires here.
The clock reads {"hour": 11, "minute": 12}
